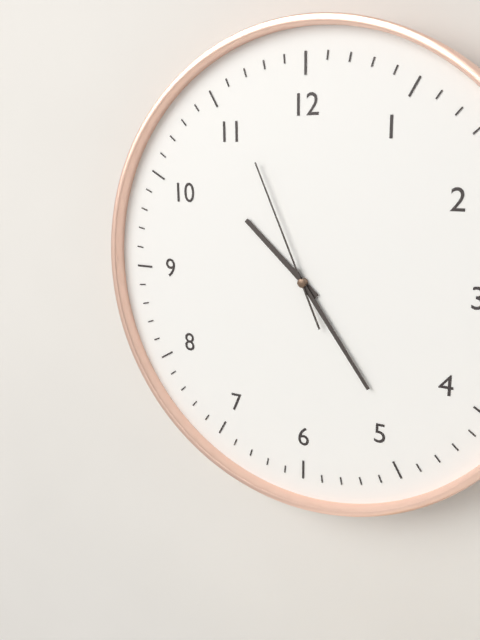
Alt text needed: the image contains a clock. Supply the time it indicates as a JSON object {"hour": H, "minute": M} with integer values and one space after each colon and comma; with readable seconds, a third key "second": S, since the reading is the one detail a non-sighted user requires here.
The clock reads {"hour": 10, "minute": 24, "second": 56}
